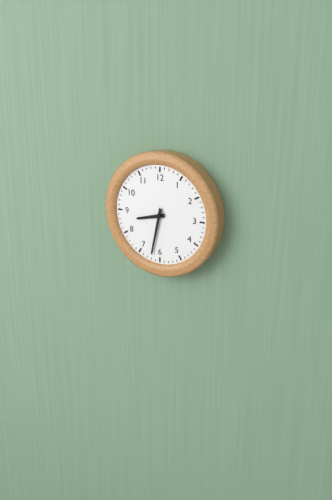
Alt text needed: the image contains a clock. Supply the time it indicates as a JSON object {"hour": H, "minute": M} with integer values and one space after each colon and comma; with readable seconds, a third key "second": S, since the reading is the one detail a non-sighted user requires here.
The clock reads {"hour": 8, "minute": 32}
